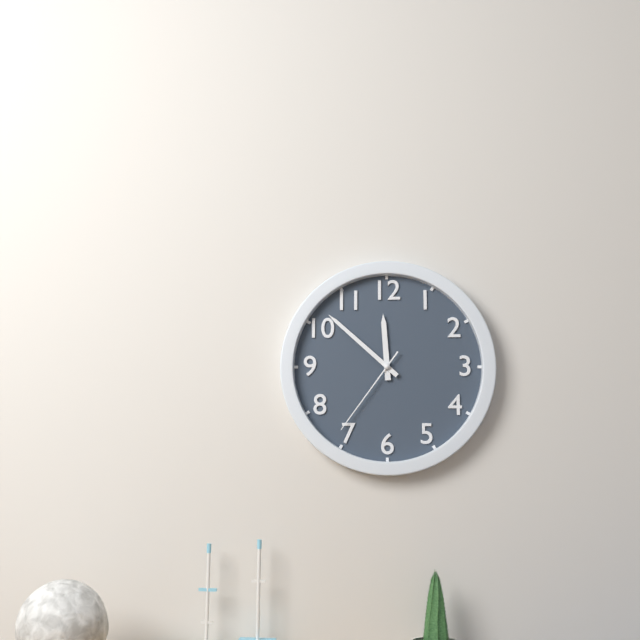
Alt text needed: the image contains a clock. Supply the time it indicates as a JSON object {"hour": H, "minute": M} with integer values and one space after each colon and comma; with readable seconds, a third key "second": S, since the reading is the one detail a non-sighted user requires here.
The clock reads {"hour": 11, "minute": 52, "second": 36}
